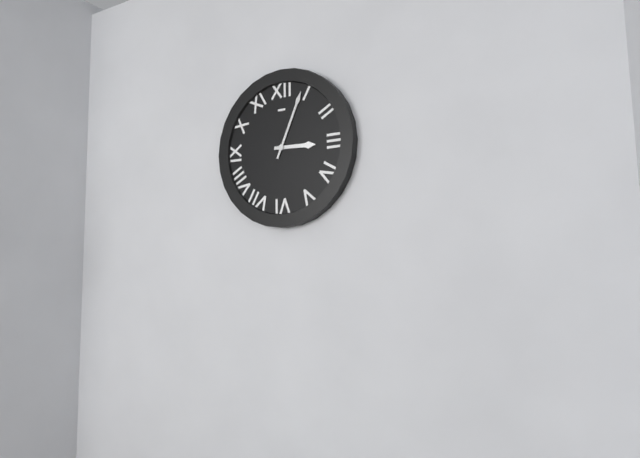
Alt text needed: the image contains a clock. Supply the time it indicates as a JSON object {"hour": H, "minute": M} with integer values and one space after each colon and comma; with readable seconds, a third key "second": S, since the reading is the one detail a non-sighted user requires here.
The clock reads {"hour": 3, "minute": 4}
